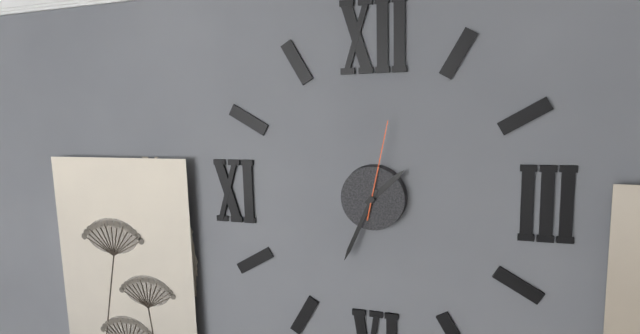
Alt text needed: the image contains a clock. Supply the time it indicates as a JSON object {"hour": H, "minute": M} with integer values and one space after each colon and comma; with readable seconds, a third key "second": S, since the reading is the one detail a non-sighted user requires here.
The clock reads {"hour": 1, "minute": 34, "second": 2}
